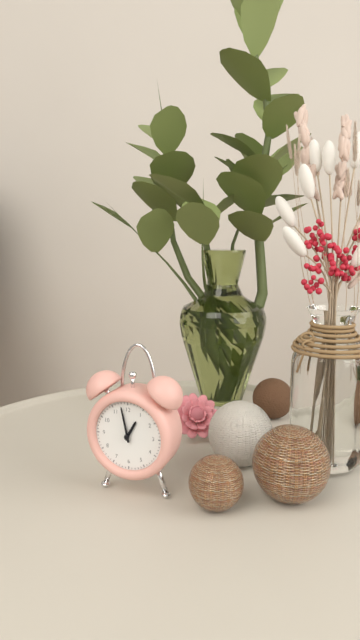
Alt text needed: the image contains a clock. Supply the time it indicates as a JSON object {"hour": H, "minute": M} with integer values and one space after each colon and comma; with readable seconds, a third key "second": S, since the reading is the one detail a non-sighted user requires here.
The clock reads {"hour": 12, "minute": 58}
